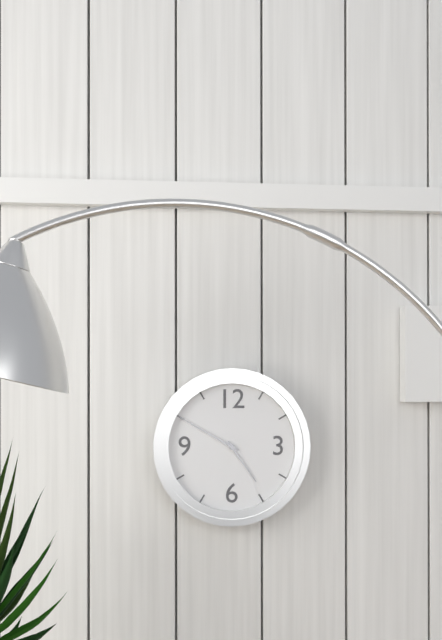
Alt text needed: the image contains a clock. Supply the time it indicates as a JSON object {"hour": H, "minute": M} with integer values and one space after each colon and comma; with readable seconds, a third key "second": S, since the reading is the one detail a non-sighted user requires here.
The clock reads {"hour": 4, "minute": 50}
